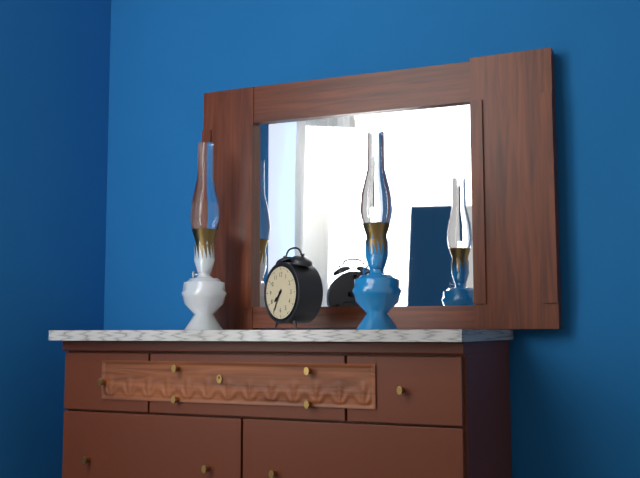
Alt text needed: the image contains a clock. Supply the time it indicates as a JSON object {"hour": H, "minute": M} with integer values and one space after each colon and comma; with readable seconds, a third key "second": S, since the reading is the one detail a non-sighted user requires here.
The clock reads {"hour": 7, "minute": 35}
